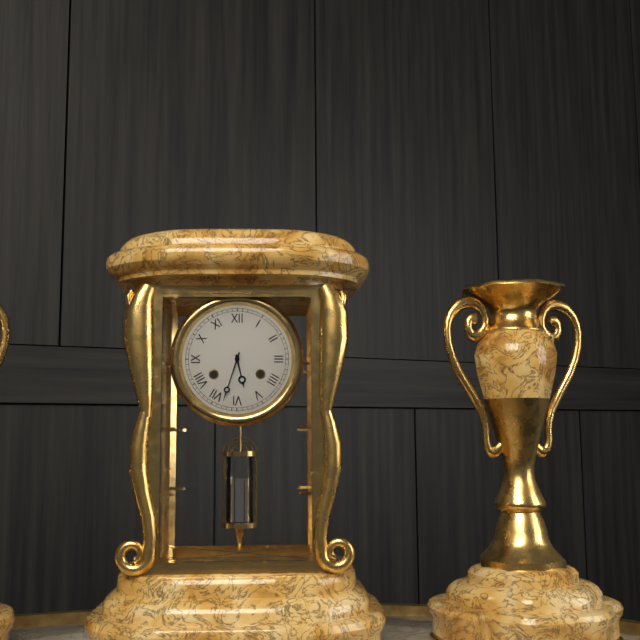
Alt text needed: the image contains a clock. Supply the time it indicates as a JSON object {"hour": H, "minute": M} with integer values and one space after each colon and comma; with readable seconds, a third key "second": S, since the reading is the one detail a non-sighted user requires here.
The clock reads {"hour": 5, "minute": 33}
